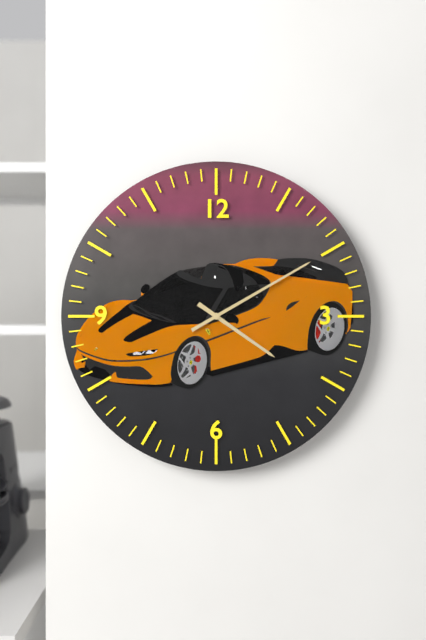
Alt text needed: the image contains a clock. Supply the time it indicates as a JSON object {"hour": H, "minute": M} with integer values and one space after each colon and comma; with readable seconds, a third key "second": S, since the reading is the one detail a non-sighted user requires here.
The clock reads {"hour": 4, "minute": 10}
